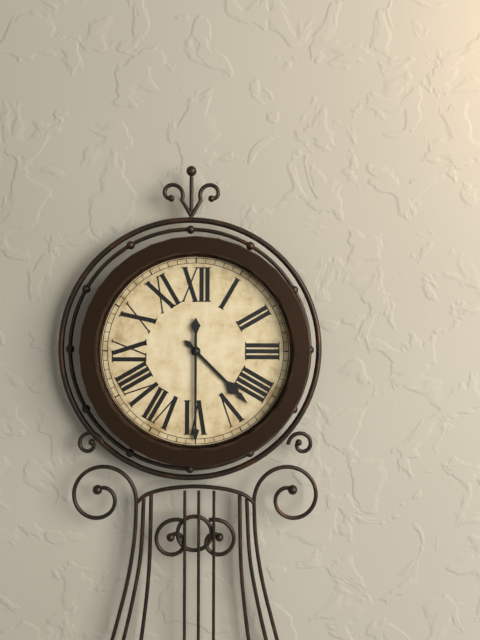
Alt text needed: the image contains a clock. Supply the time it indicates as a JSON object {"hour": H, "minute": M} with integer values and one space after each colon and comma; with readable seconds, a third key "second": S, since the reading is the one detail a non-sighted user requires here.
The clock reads {"hour": 4, "minute": 30}
